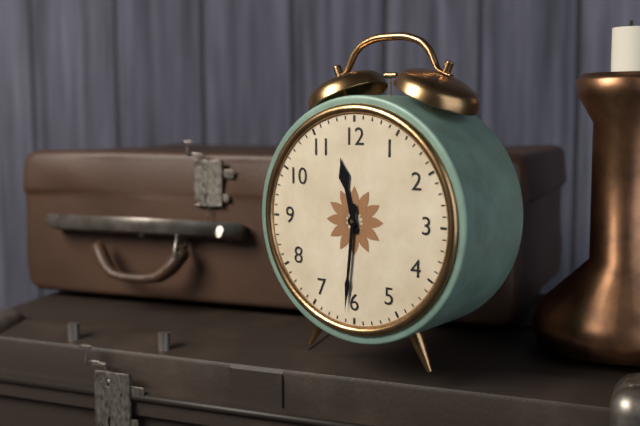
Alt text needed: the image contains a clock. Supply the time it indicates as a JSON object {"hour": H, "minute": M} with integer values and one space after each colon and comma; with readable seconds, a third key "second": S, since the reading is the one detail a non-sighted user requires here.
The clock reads {"hour": 11, "minute": 31}
